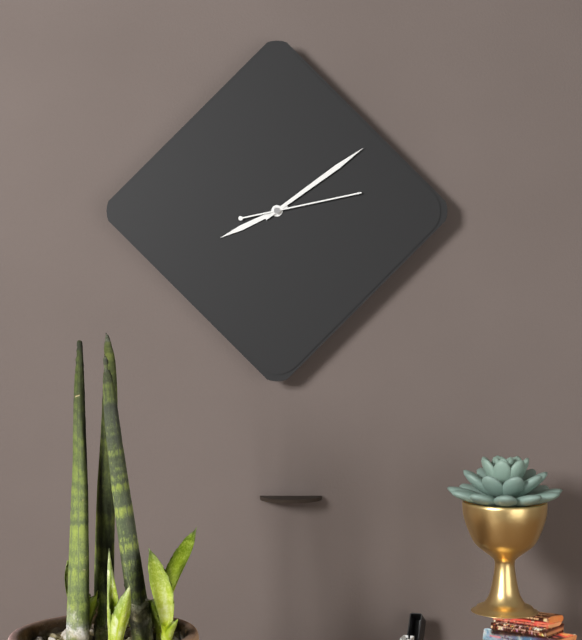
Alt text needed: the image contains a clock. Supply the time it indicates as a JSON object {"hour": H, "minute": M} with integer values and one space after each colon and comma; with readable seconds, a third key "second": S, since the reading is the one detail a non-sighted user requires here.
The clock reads {"hour": 8, "minute": 9, "second": 13}
